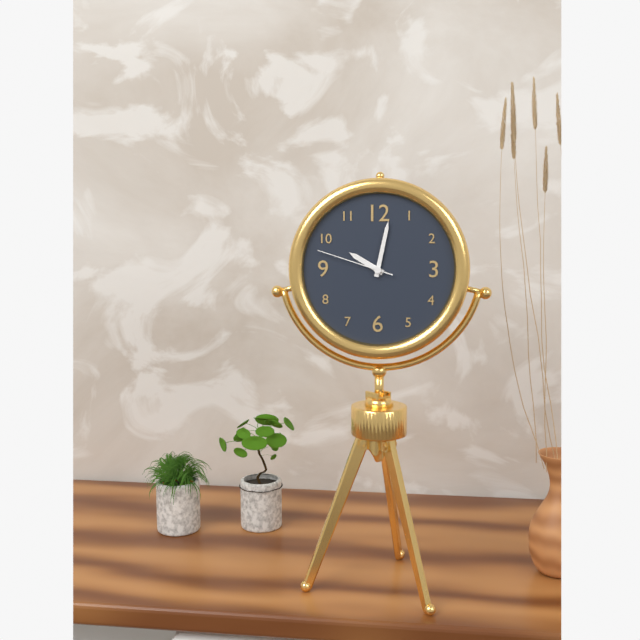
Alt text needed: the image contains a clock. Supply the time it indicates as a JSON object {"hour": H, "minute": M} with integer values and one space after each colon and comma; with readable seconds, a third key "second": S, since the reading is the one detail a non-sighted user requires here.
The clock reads {"hour": 10, "minute": 2, "second": 48}
